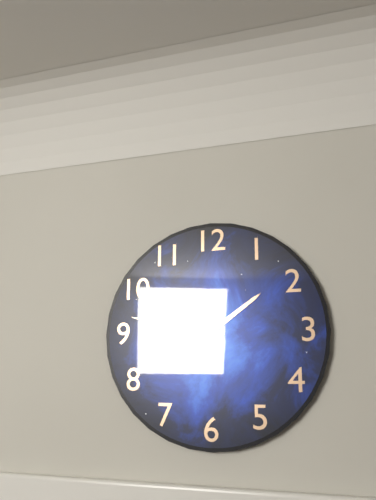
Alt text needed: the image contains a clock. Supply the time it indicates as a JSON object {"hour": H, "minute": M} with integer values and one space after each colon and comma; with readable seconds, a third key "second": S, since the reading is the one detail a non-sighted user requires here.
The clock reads {"hour": 1, "minute": 47}
